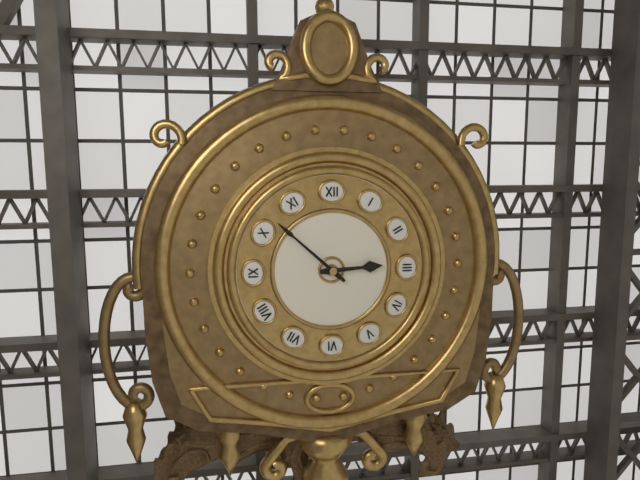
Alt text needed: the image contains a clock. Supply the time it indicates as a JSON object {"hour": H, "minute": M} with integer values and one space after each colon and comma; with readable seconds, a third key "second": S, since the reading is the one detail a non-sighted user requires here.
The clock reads {"hour": 2, "minute": 52}
